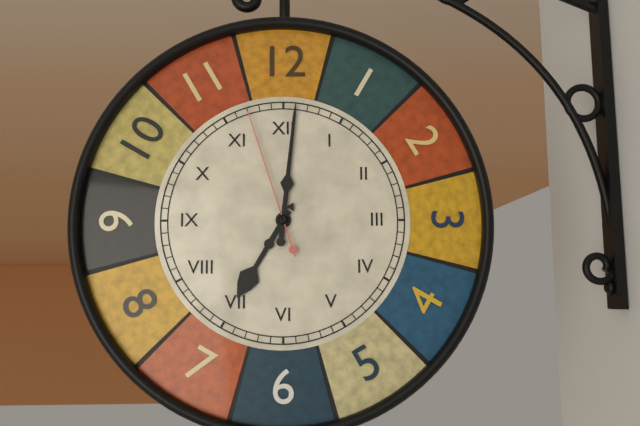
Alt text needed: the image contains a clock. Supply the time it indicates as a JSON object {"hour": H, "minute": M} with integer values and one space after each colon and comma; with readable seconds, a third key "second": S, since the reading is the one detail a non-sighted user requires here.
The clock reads {"hour": 7, "minute": 1, "second": 57}
